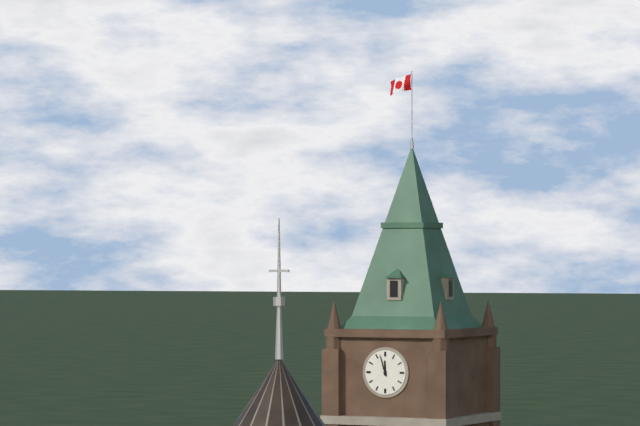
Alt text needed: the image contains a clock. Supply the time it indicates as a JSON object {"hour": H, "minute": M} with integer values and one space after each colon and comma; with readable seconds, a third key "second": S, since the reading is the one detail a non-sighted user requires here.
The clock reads {"hour": 11, "minute": 57}
